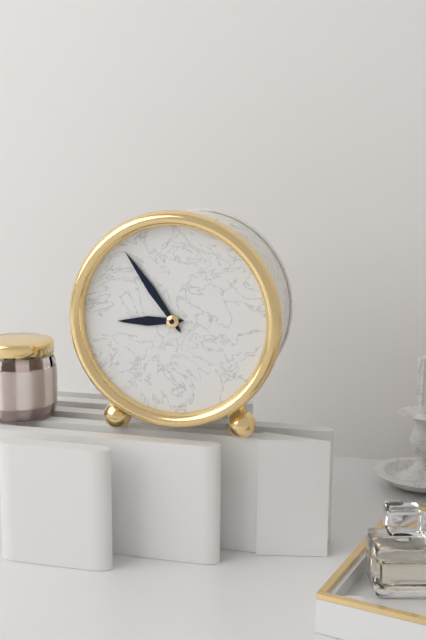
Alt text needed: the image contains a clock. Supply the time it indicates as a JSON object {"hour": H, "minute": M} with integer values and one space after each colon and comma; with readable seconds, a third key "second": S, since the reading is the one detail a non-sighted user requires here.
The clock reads {"hour": 8, "minute": 54}
